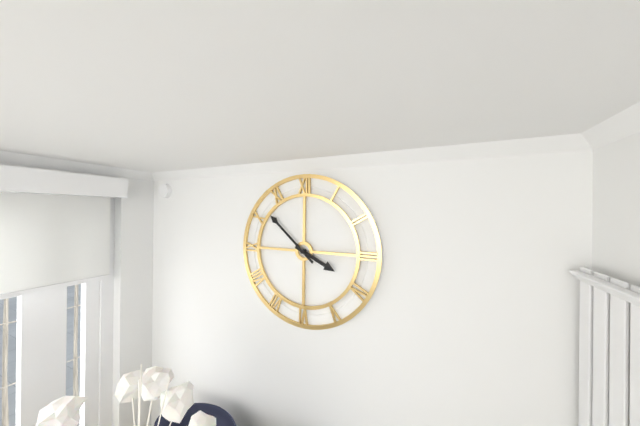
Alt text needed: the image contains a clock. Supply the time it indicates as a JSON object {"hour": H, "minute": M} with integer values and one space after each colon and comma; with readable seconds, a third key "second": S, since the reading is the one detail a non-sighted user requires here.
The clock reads {"hour": 3, "minute": 52}
